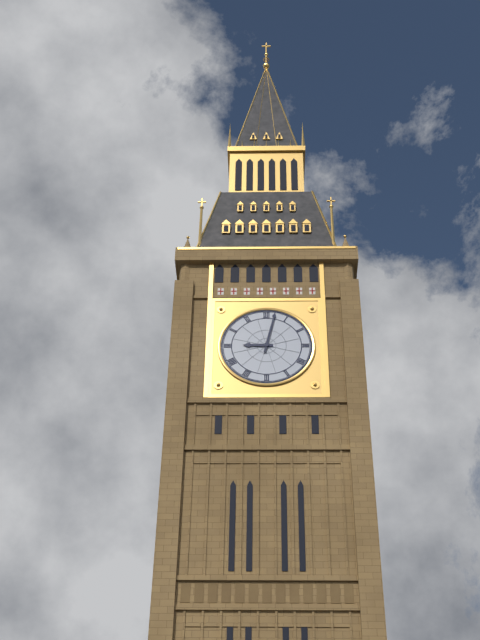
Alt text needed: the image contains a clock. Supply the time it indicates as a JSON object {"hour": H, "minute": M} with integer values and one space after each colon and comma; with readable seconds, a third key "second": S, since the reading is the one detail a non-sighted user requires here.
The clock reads {"hour": 9, "minute": 2}
